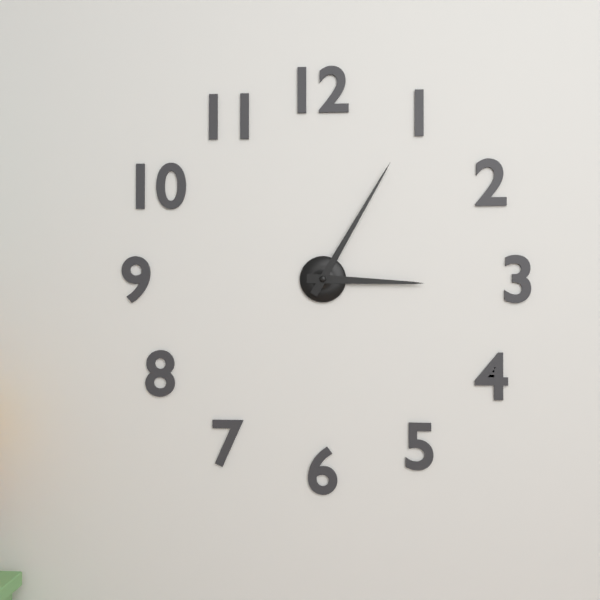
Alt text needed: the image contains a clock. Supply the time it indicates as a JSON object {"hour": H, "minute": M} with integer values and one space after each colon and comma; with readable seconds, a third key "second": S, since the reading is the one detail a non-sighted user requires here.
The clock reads {"hour": 3, "minute": 5}
